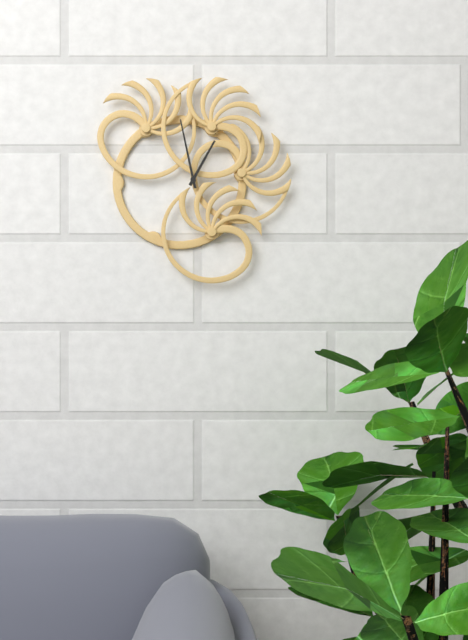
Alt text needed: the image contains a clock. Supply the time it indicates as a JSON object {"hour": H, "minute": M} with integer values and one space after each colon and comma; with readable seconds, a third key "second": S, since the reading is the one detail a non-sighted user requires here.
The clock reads {"hour": 12, "minute": 58}
